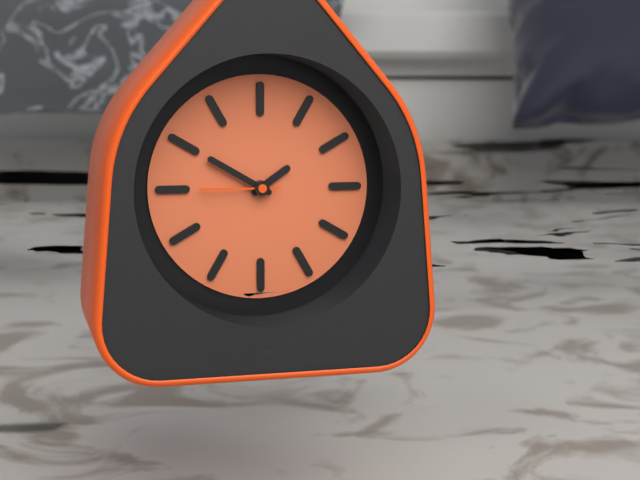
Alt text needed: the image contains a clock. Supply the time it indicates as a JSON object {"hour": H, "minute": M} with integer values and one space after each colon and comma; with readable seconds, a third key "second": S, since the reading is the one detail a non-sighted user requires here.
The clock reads {"hour": 1, "minute": 50, "second": 45}
